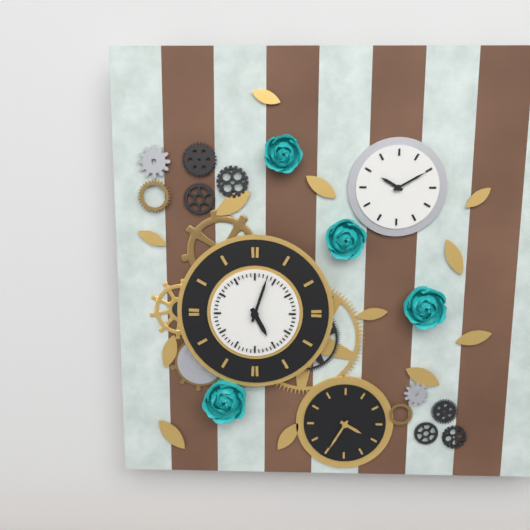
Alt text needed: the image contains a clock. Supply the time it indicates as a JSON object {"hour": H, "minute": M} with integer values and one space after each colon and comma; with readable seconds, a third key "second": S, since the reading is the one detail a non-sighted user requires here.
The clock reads {"hour": 5, "minute": 3}
